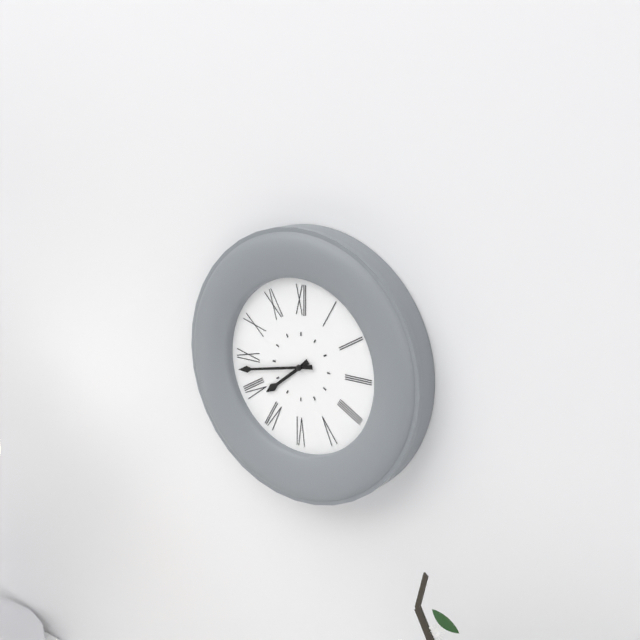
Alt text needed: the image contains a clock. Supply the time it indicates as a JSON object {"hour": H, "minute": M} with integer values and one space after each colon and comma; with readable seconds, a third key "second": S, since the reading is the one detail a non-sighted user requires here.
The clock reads {"hour": 7, "minute": 43}
